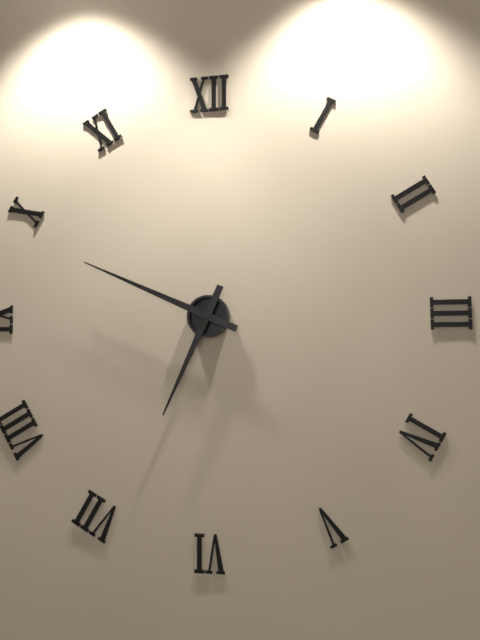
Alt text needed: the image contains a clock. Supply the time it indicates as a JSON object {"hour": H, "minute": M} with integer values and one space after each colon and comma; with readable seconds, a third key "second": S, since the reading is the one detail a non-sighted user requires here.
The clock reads {"hour": 6, "minute": 49}
